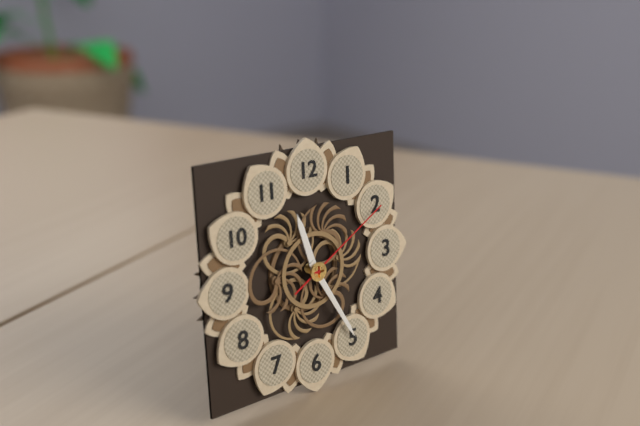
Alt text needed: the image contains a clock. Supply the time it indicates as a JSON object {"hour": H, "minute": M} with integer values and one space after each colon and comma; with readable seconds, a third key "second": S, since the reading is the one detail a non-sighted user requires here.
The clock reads {"hour": 11, "minute": 25, "second": 10}
